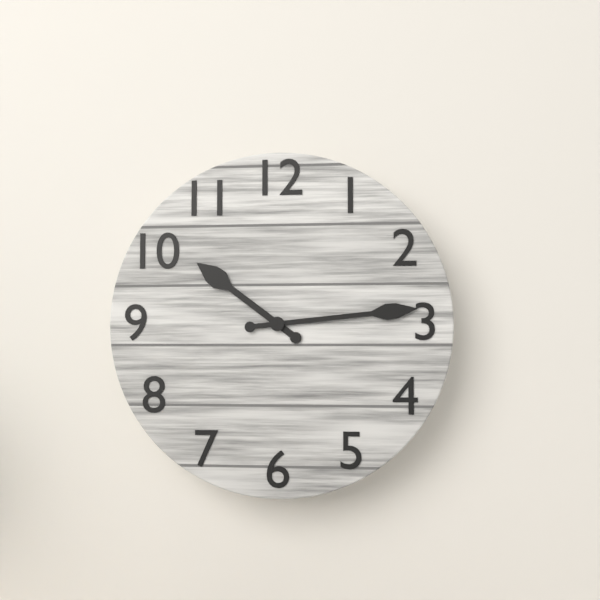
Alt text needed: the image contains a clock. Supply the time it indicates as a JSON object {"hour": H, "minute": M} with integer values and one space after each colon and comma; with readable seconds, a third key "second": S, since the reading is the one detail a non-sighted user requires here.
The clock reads {"hour": 10, "minute": 14}
